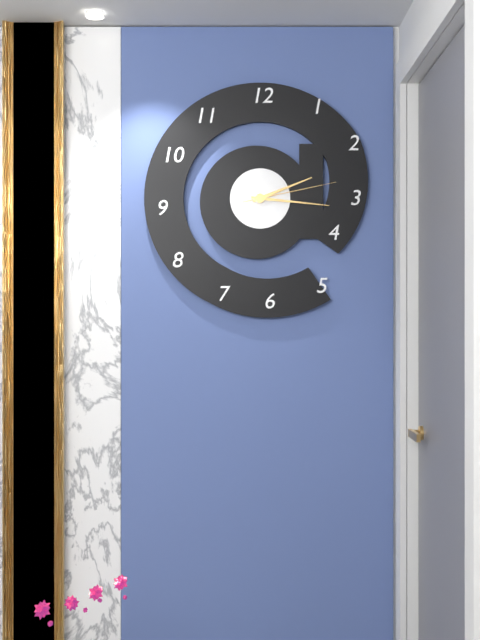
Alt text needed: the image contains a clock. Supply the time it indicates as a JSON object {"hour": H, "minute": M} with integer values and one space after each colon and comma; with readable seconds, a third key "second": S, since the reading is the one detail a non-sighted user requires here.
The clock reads {"hour": 2, "minute": 16, "second": 13}
